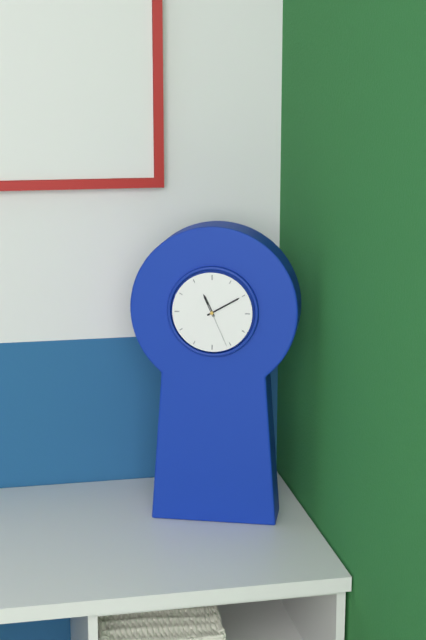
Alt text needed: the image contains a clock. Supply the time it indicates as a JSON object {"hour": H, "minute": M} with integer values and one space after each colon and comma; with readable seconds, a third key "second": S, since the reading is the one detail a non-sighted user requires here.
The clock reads {"hour": 11, "minute": 10}
